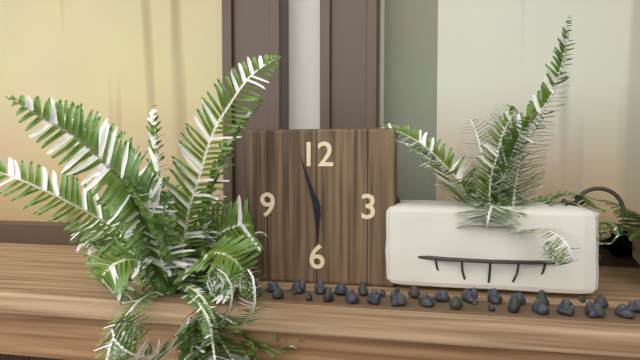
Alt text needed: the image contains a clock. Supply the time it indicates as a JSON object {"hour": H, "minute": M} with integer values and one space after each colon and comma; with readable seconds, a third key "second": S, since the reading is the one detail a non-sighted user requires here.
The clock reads {"hour": 5, "minute": 57}
